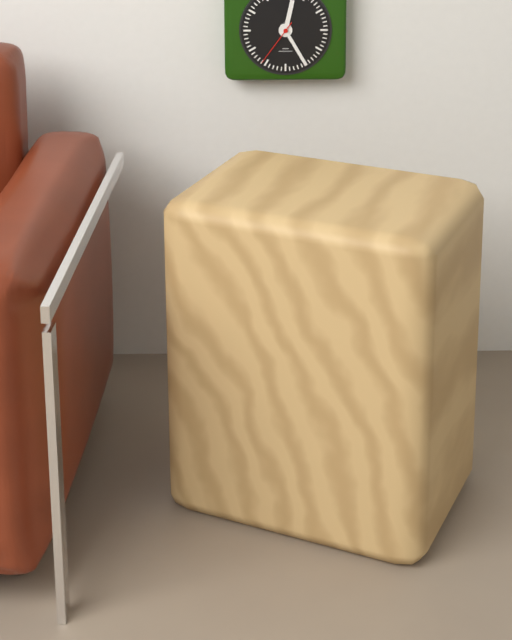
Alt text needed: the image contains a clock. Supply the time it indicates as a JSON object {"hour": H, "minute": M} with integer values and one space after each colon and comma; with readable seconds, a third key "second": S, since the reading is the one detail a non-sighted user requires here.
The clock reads {"hour": 12, "minute": 25, "second": 36}
